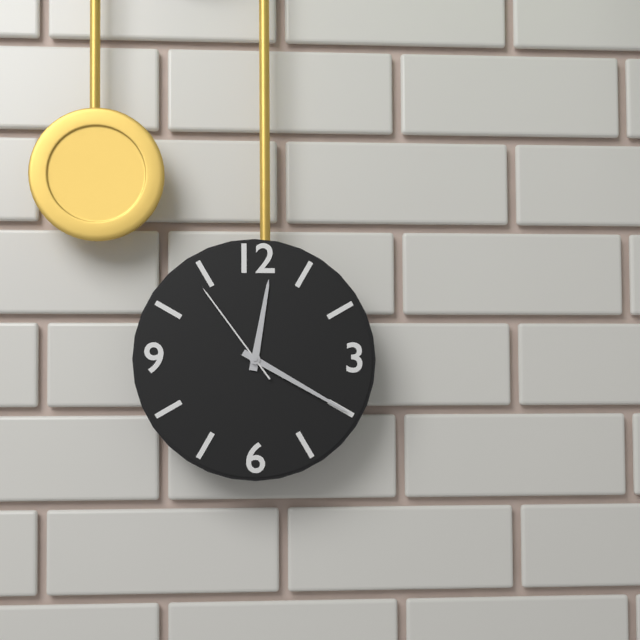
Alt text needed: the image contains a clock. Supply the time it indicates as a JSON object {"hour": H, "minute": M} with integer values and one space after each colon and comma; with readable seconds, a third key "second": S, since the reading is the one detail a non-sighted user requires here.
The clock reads {"hour": 12, "minute": 20, "second": 54}
